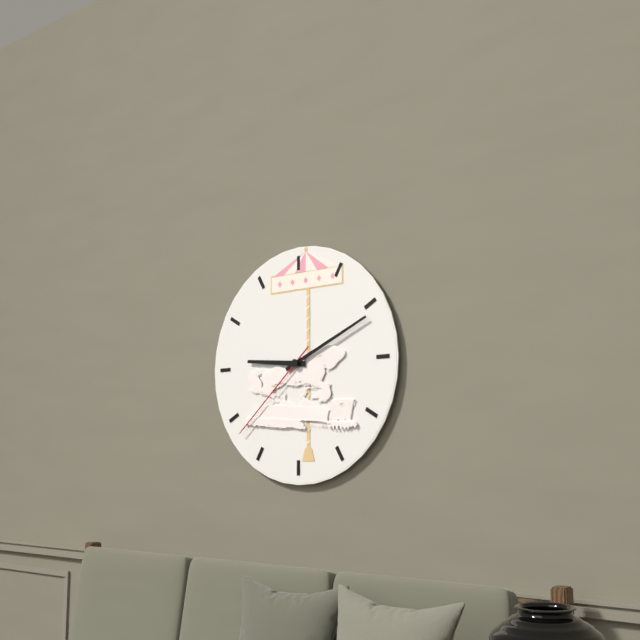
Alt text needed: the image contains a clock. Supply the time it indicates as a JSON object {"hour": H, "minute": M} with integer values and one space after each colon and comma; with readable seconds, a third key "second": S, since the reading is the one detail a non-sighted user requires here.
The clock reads {"hour": 9, "minute": 11, "second": 38}
